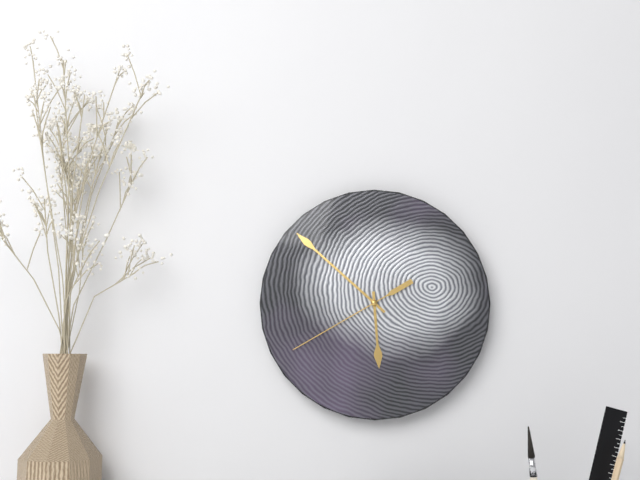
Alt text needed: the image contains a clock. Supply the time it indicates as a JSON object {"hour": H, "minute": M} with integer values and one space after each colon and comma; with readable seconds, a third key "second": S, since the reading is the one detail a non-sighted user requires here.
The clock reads {"hour": 5, "minute": 52, "second": 40}
